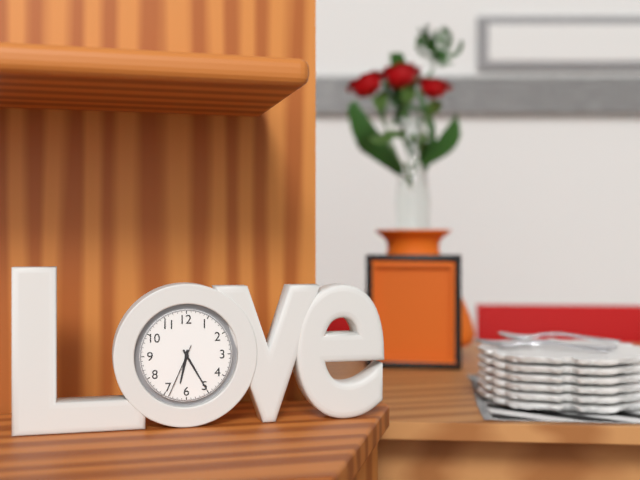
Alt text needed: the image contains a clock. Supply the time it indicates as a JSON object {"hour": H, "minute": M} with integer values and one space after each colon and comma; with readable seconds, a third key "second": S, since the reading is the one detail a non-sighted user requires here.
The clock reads {"hour": 6, "minute": 25, "second": 34}
